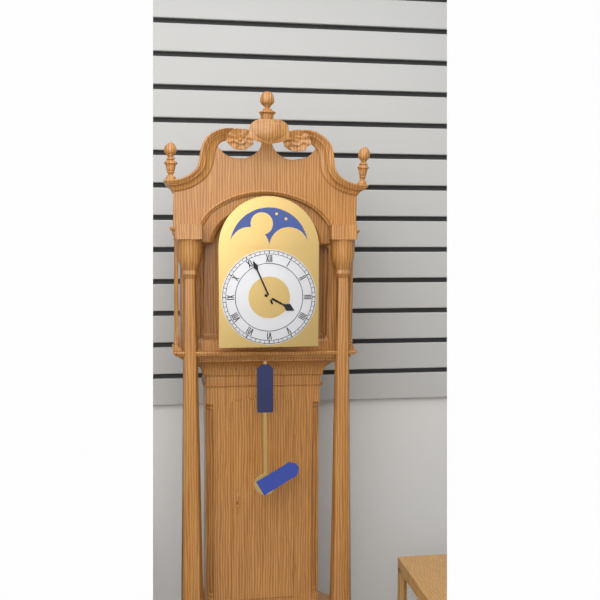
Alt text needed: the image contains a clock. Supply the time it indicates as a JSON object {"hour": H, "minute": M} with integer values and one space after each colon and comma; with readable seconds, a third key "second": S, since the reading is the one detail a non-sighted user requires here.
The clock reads {"hour": 3, "minute": 56}
